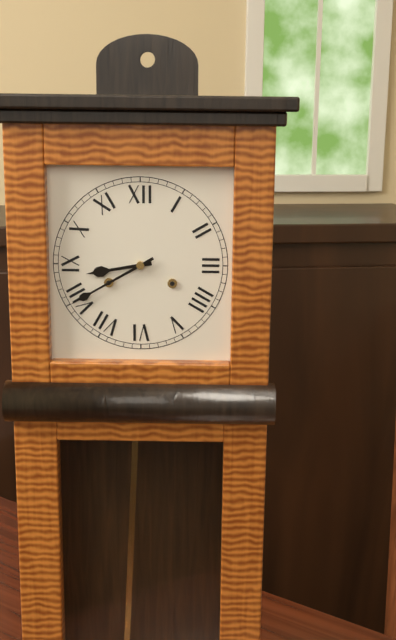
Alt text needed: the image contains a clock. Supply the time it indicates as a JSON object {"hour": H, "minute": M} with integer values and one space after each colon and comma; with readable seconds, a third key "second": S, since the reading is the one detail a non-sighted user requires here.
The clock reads {"hour": 8, "minute": 40}
